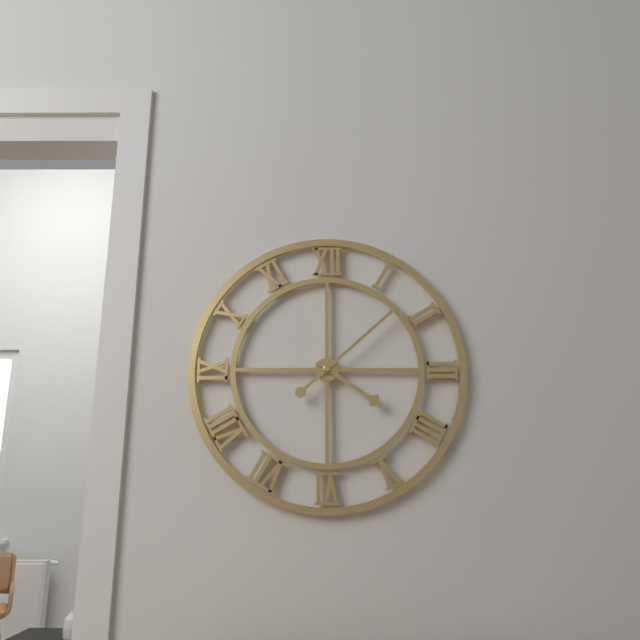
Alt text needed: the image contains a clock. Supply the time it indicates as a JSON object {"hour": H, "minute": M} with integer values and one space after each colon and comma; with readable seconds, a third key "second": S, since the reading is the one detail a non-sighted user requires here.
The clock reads {"hour": 4, "minute": 8}
